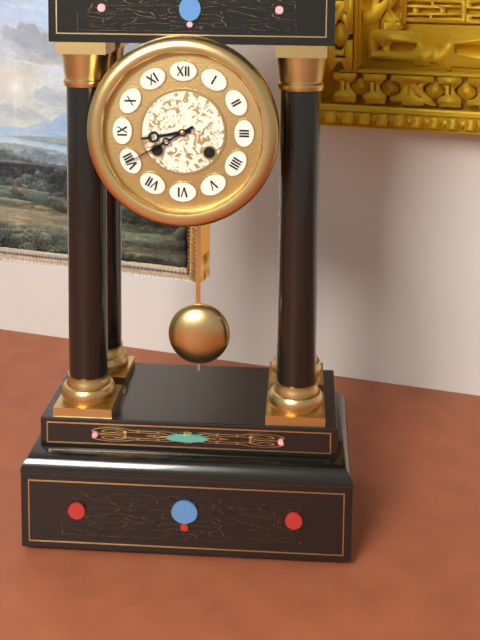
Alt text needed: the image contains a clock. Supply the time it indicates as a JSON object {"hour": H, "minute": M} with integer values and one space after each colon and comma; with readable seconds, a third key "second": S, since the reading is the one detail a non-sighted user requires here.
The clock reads {"hour": 8, "minute": 40}
